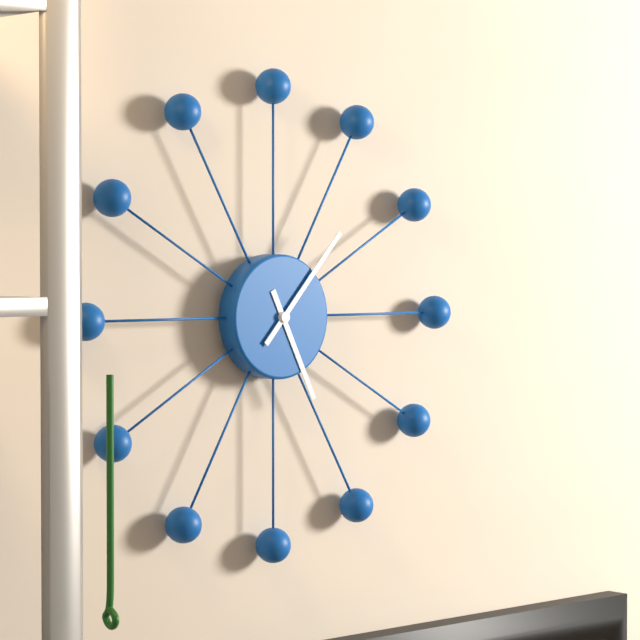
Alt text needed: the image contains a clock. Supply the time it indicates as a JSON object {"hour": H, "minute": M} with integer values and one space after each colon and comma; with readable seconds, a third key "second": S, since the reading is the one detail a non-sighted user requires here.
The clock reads {"hour": 5, "minute": 7}
